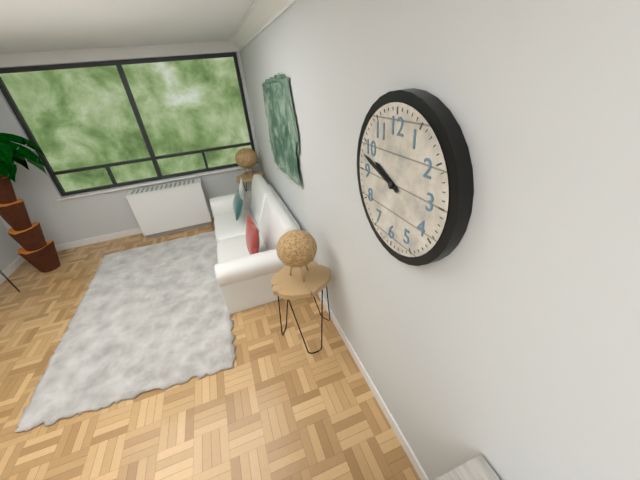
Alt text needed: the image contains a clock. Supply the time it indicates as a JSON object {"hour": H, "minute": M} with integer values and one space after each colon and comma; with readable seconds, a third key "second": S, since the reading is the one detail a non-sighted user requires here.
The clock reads {"hour": 9, "minute": 48}
